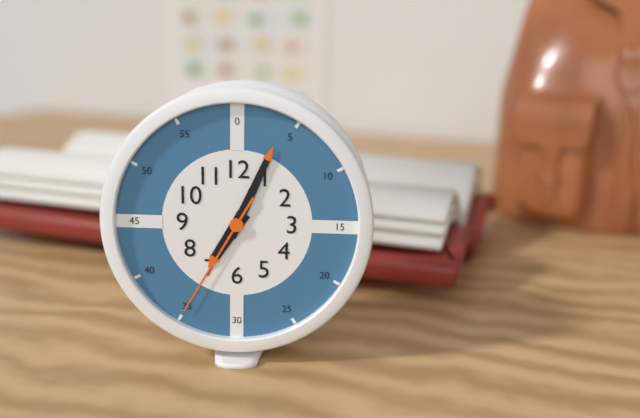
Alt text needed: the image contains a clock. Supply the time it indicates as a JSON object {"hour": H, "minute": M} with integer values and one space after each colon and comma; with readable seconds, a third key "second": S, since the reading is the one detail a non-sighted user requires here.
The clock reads {"hour": 7, "minute": 4, "second": 35}
